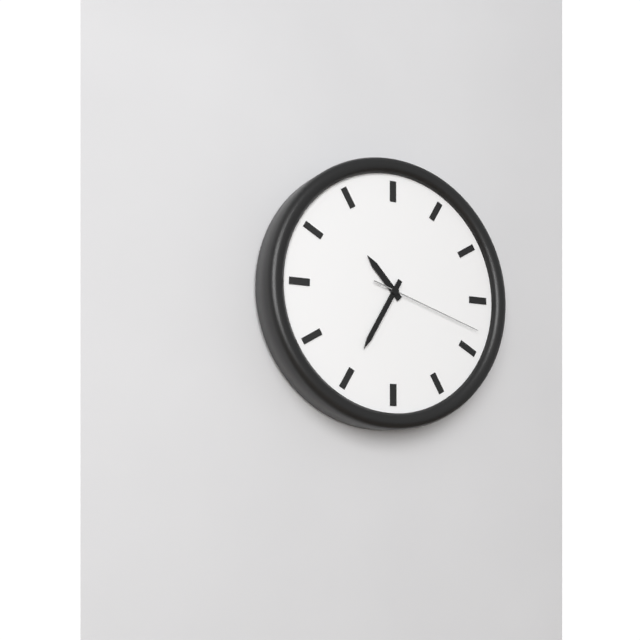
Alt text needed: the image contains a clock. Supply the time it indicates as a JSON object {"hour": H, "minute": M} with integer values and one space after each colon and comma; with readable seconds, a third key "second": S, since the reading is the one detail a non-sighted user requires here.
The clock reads {"hour": 10, "minute": 35, "second": 18}
